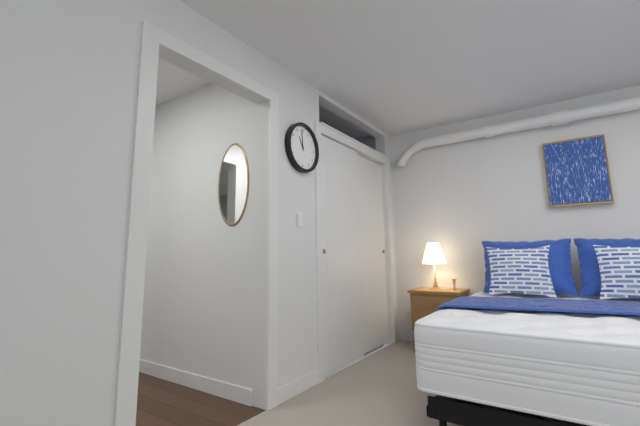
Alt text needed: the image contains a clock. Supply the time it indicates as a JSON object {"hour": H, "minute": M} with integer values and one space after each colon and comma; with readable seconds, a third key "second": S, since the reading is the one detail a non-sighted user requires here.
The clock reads {"hour": 10, "minute": 59}
